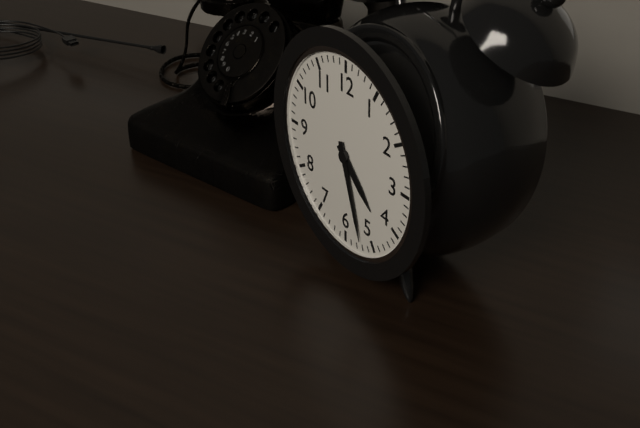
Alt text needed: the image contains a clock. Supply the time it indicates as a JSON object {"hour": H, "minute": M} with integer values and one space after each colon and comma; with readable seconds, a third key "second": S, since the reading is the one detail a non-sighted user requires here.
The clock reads {"hour": 4, "minute": 27}
